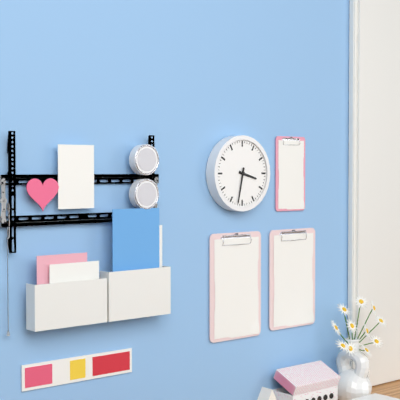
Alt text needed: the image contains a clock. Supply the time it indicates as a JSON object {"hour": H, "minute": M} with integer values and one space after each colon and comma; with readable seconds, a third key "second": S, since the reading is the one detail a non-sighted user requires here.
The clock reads {"hour": 3, "minute": 32}
